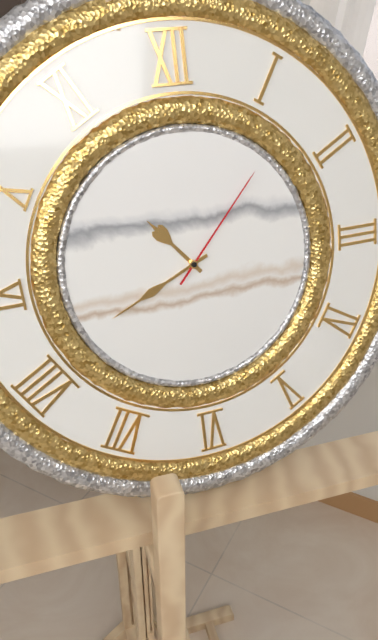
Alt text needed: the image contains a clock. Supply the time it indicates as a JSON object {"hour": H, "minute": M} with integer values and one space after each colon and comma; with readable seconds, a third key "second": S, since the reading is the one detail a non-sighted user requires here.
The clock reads {"hour": 10, "minute": 41, "second": 7}
